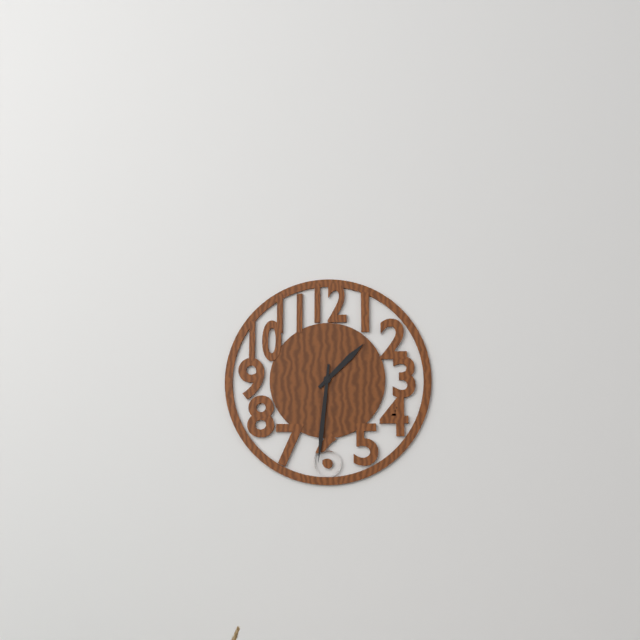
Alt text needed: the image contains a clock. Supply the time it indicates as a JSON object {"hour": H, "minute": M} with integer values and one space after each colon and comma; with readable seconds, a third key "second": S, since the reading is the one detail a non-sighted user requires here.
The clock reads {"hour": 1, "minute": 31}
